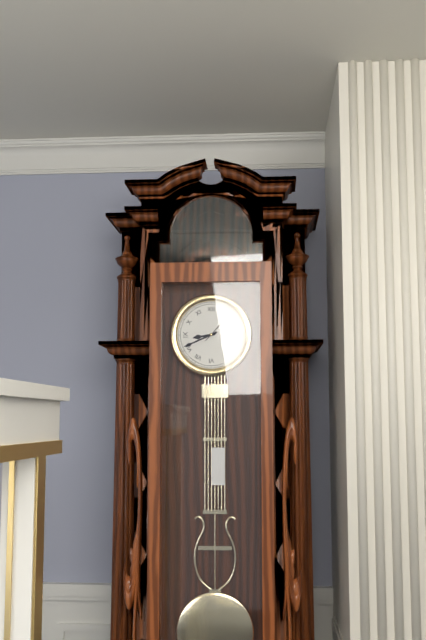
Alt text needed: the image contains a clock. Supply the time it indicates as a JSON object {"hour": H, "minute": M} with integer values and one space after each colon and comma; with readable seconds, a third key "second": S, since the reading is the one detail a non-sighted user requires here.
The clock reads {"hour": 8, "minute": 41}
